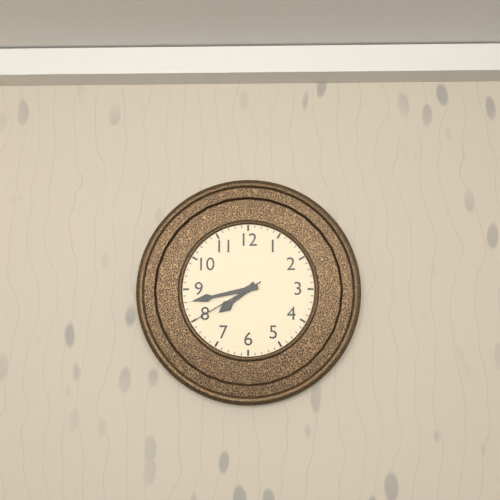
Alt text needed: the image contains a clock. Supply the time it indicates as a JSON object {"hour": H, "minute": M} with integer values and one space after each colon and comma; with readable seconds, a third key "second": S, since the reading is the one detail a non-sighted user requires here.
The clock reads {"hour": 7, "minute": 43, "second": 40}
